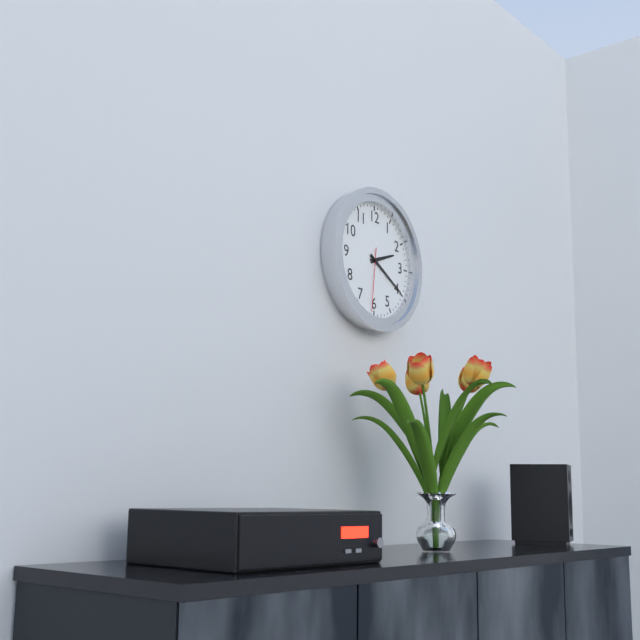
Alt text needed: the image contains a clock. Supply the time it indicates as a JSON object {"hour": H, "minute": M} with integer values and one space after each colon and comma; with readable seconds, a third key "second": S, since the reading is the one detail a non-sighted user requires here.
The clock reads {"hour": 2, "minute": 20, "second": 31}
